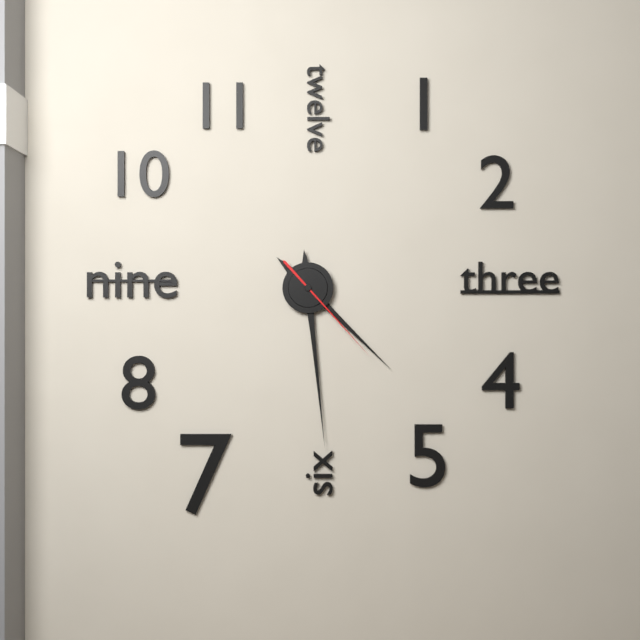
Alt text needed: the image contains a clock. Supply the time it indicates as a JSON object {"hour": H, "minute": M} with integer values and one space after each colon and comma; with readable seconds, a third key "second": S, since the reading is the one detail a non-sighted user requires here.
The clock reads {"hour": 4, "minute": 29, "second": 23}
